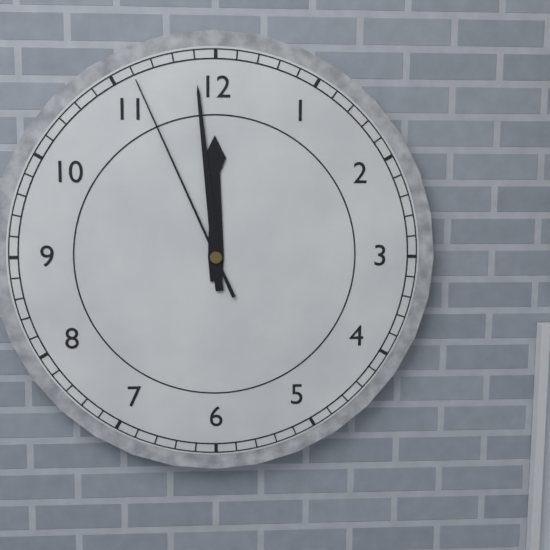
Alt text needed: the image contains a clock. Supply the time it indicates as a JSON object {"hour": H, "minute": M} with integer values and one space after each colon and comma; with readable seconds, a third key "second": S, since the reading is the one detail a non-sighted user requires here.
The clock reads {"hour": 11, "minute": 59, "second": 56}
